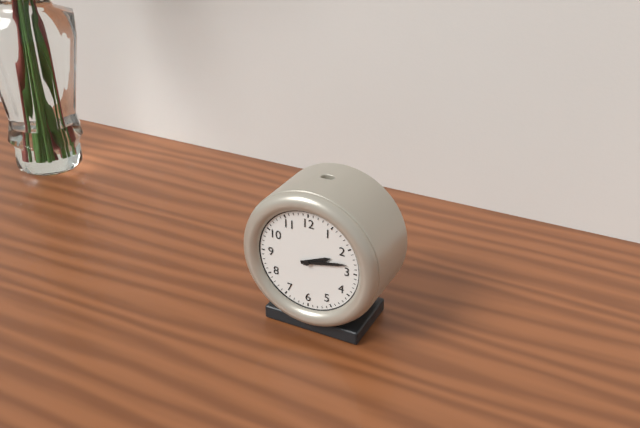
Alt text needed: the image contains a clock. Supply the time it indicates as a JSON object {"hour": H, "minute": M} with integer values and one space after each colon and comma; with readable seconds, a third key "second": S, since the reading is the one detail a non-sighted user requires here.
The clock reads {"hour": 2, "minute": 13}
